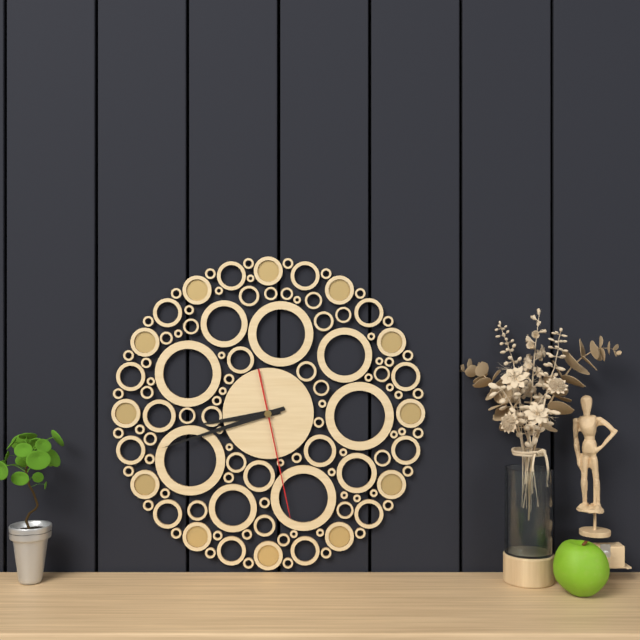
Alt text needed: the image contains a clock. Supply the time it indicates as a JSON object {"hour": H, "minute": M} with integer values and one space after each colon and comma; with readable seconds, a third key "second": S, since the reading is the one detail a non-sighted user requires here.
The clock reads {"hour": 8, "minute": 42, "second": 28}
